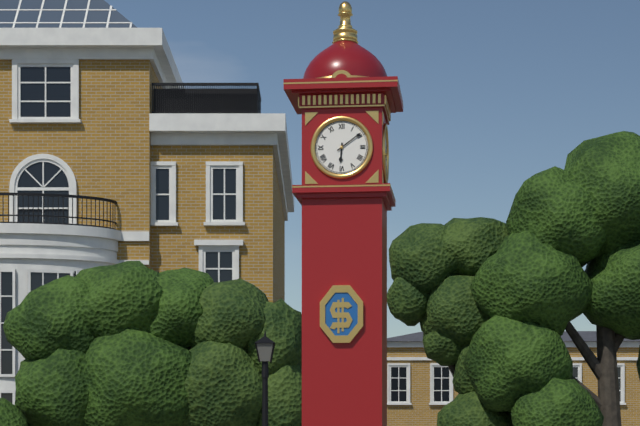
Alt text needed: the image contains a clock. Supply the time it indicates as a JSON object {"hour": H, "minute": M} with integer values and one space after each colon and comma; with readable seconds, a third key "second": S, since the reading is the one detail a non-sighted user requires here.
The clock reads {"hour": 6, "minute": 9}
